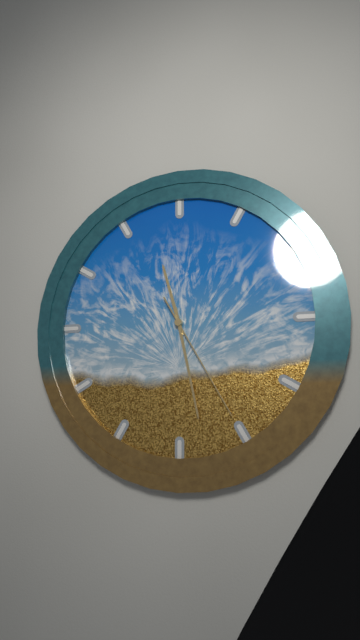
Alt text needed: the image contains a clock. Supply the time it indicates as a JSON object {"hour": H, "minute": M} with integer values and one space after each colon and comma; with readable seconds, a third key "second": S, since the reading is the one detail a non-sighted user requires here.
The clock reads {"hour": 11, "minute": 28, "second": 25}
